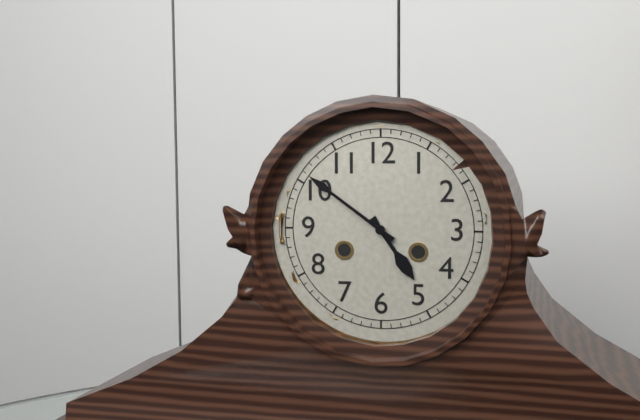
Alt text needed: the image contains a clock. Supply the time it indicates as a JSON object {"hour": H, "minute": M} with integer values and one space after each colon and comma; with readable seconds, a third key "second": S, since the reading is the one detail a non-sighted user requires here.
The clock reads {"hour": 4, "minute": 51}
